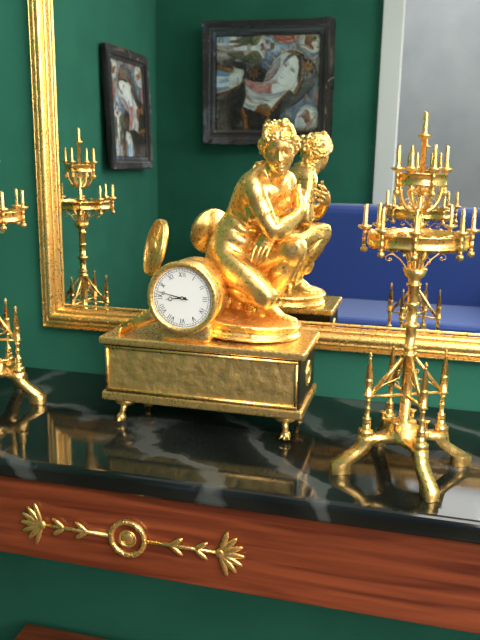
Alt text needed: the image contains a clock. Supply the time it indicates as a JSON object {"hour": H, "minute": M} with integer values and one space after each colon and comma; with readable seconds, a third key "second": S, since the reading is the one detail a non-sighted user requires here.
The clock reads {"hour": 8, "minute": 47}
